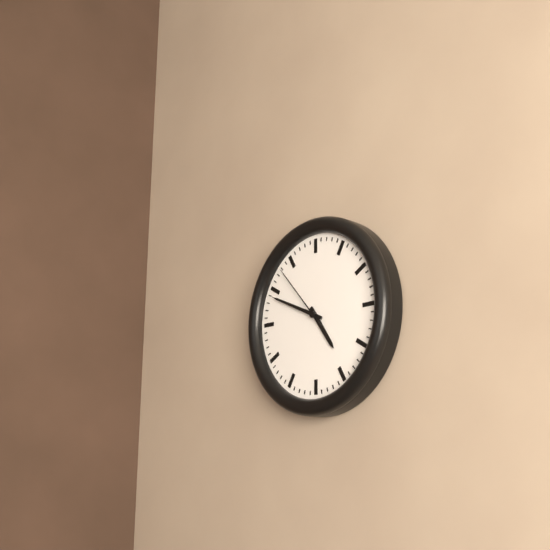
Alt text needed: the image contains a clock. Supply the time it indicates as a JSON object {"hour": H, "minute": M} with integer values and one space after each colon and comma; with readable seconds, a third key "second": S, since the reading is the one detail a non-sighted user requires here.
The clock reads {"hour": 4, "minute": 49, "second": 53}
